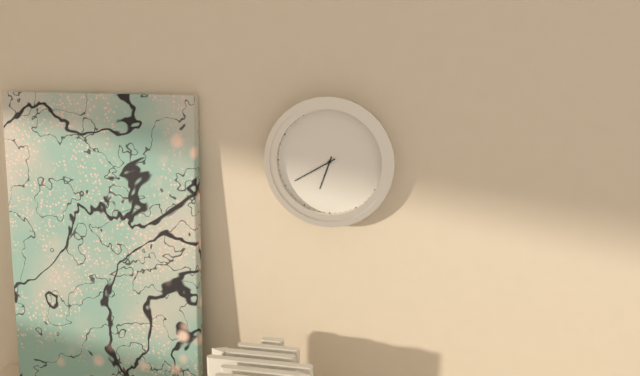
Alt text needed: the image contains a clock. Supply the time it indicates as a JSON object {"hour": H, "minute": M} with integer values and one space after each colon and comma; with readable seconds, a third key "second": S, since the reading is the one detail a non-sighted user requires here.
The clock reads {"hour": 6, "minute": 40}
